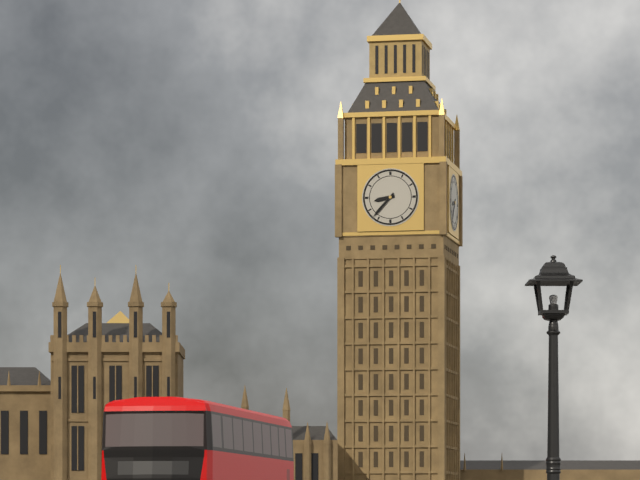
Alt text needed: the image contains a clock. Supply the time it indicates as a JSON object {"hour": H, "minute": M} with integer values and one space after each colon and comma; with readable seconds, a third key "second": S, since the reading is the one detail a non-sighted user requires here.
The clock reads {"hour": 8, "minute": 37}
